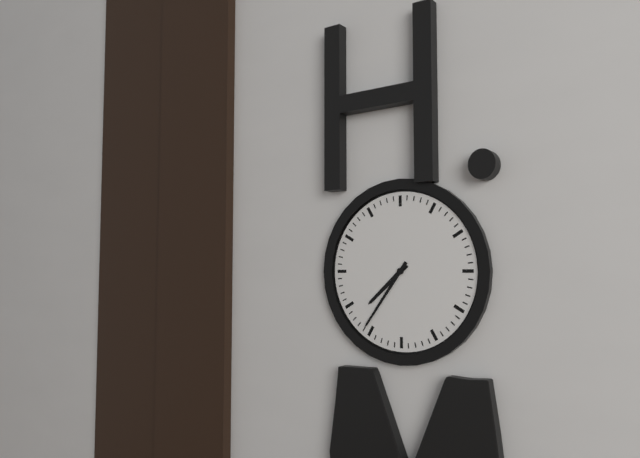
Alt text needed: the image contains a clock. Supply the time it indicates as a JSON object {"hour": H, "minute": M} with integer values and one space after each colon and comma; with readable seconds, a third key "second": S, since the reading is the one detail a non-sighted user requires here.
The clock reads {"hour": 7, "minute": 36}
